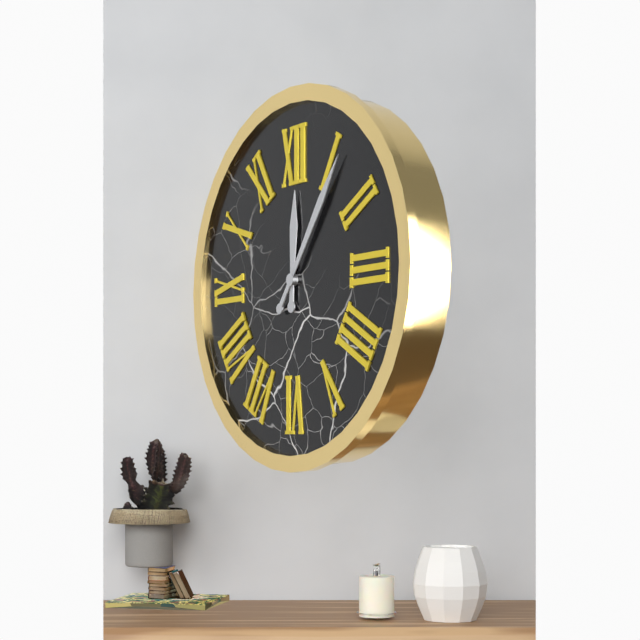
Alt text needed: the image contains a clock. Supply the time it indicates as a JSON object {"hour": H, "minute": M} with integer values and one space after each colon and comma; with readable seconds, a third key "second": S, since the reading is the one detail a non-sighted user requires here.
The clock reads {"hour": 12, "minute": 6}
